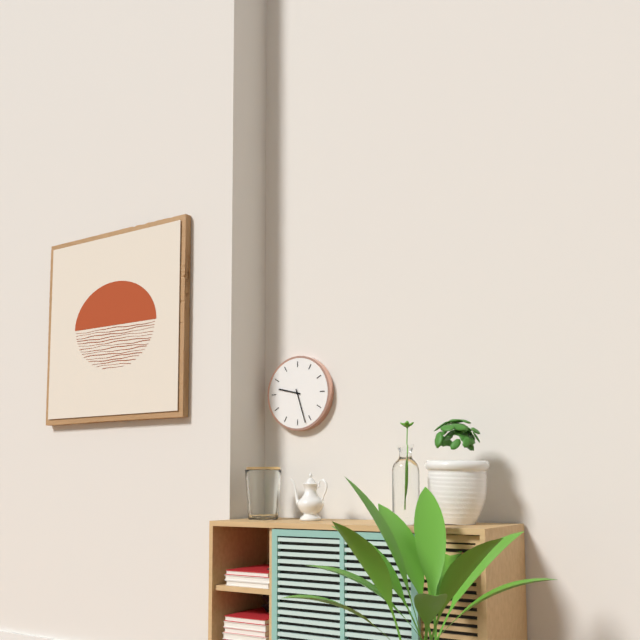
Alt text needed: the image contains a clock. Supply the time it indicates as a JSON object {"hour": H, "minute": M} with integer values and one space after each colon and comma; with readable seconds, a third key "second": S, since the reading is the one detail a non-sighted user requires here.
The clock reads {"hour": 9, "minute": 27}
